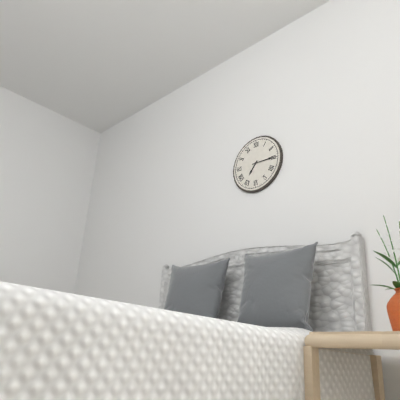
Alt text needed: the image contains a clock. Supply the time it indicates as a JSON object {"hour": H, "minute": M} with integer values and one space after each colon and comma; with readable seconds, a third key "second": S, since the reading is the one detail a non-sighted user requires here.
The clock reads {"hour": 7, "minute": 15}
